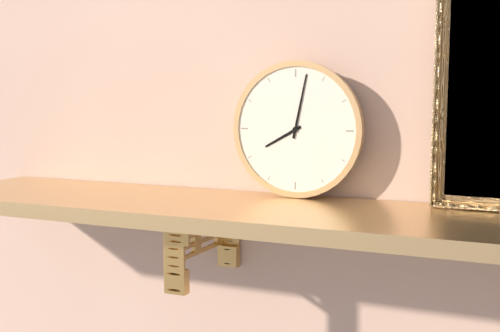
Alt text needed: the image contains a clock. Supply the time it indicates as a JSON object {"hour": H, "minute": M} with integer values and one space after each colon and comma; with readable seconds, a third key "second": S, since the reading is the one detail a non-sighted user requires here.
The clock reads {"hour": 8, "minute": 2}
